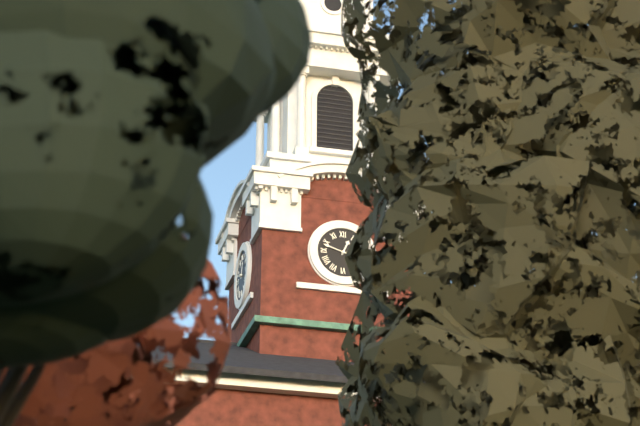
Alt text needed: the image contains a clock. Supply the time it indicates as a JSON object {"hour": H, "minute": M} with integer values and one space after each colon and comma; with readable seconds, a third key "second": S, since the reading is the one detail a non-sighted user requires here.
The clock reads {"hour": 12, "minute": 48}
